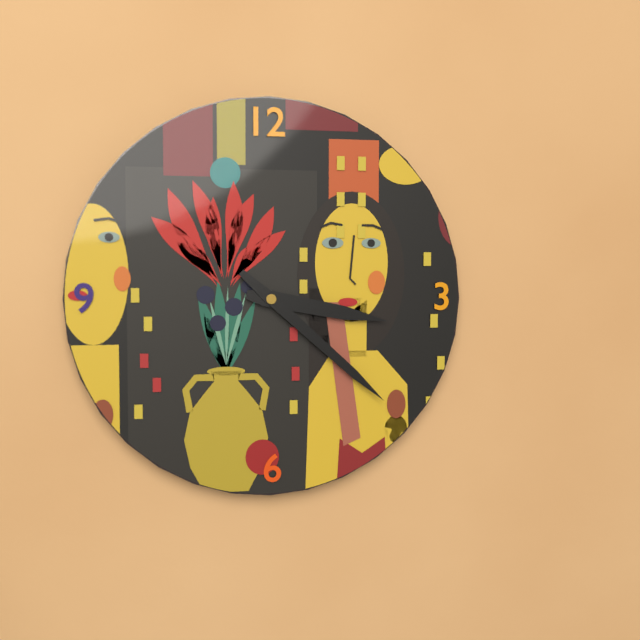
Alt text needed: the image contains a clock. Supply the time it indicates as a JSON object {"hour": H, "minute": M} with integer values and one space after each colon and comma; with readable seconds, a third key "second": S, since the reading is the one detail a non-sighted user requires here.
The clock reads {"hour": 3, "minute": 22}
